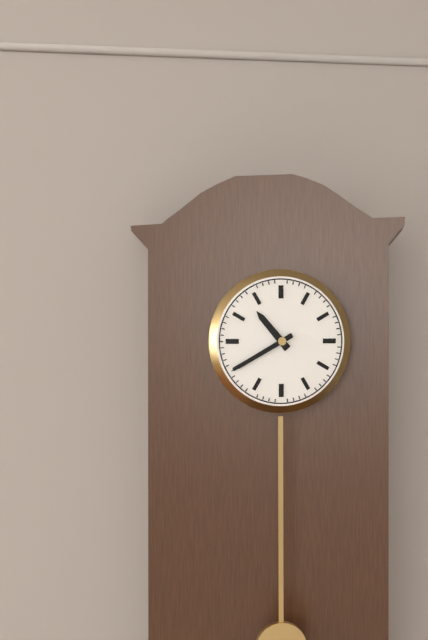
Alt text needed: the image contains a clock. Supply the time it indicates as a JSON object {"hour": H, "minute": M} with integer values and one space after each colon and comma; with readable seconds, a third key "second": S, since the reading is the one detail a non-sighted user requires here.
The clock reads {"hour": 10, "minute": 40}
